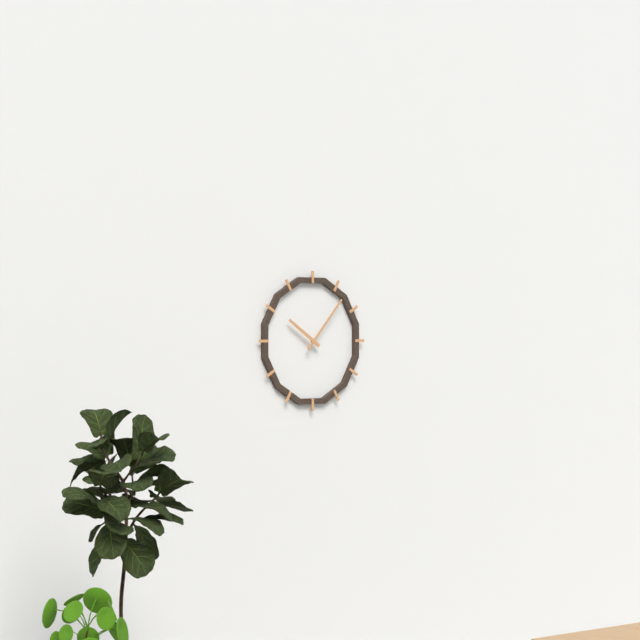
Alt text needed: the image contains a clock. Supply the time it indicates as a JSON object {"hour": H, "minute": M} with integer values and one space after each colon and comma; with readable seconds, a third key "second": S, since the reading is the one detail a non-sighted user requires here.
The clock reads {"hour": 10, "minute": 7}
